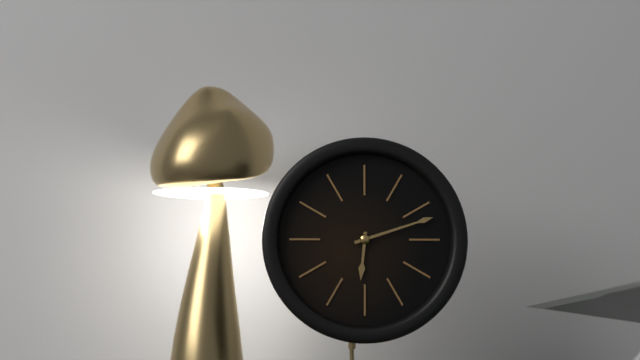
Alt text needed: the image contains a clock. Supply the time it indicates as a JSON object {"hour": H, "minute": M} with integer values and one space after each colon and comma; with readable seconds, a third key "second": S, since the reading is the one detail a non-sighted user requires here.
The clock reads {"hour": 6, "minute": 12}
